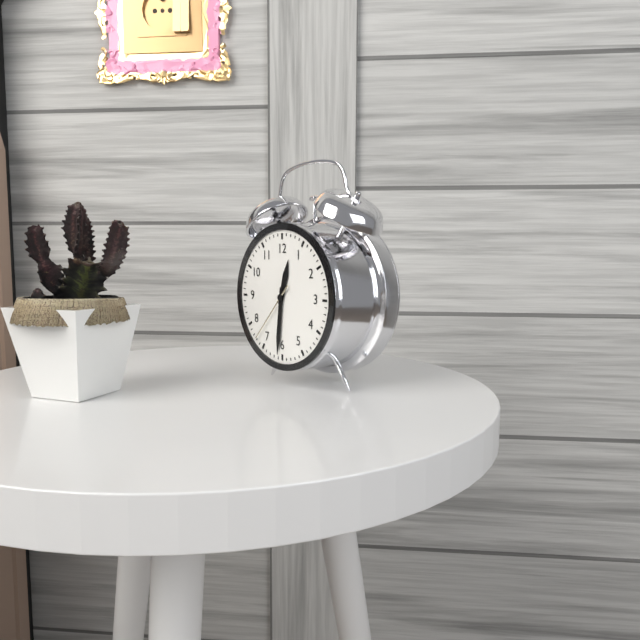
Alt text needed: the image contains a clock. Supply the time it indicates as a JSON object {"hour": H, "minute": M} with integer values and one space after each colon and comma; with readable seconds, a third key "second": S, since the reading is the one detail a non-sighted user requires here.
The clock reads {"hour": 12, "minute": 31, "second": 37}
